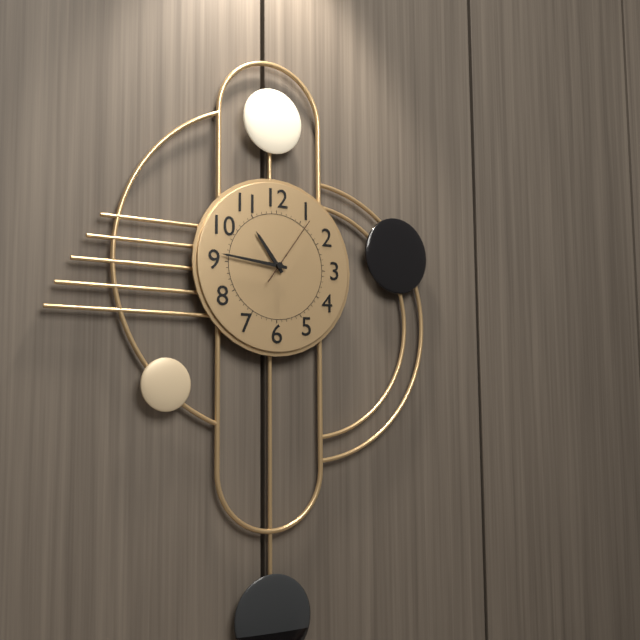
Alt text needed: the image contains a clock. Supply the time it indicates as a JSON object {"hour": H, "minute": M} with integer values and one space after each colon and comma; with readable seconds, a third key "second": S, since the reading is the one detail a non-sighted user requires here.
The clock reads {"hour": 10, "minute": 46, "second": 6}
